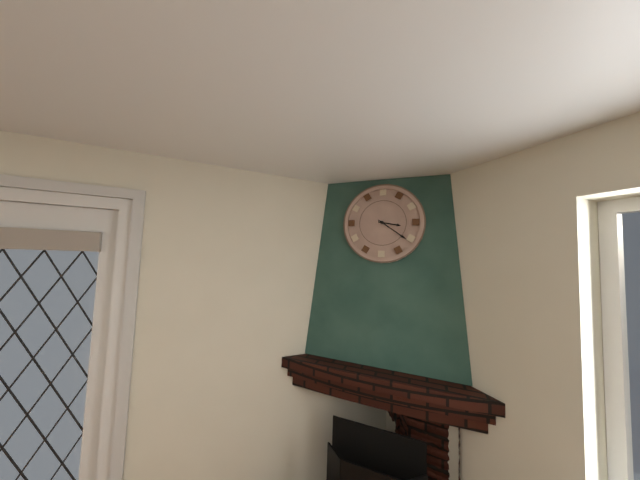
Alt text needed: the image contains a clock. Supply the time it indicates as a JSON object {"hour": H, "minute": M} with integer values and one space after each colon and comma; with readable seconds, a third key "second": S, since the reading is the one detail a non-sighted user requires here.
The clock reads {"hour": 3, "minute": 21}
